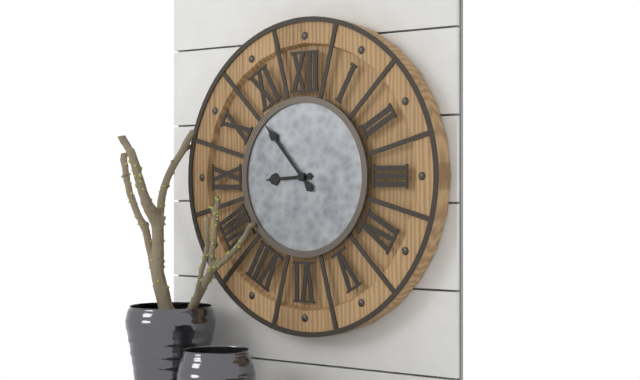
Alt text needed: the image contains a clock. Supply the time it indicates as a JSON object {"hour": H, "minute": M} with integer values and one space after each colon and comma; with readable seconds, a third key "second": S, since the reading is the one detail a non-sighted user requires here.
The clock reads {"hour": 8, "minute": 53}
